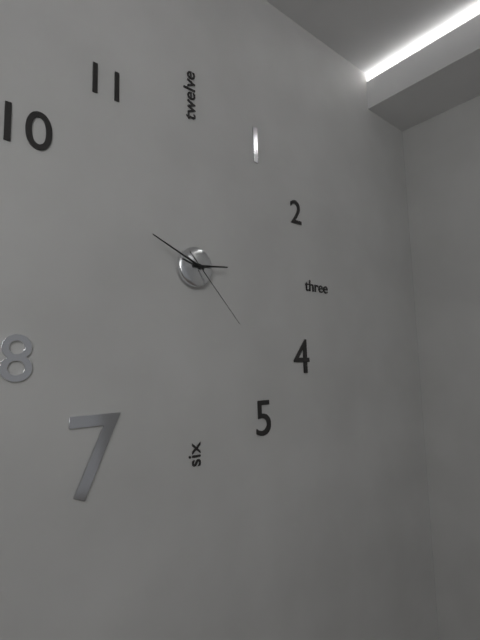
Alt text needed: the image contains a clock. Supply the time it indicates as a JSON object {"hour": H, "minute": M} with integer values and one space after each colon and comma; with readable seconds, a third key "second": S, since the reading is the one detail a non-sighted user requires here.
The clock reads {"hour": 2, "minute": 49, "second": 23}
